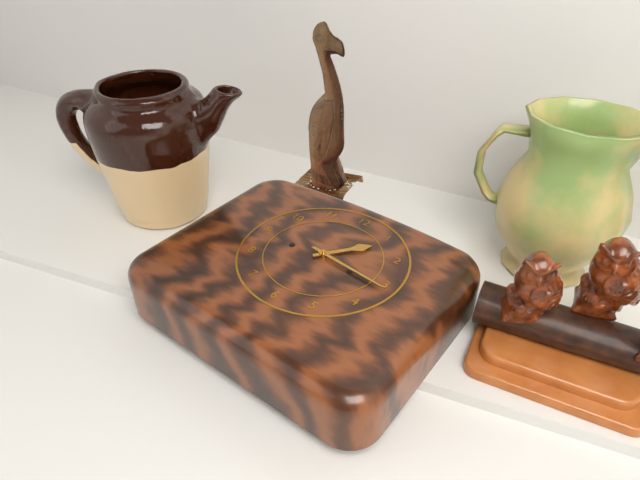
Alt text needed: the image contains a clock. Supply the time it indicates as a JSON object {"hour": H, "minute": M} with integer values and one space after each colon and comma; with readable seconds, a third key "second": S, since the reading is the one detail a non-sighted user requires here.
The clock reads {"hour": 1, "minute": 16}
